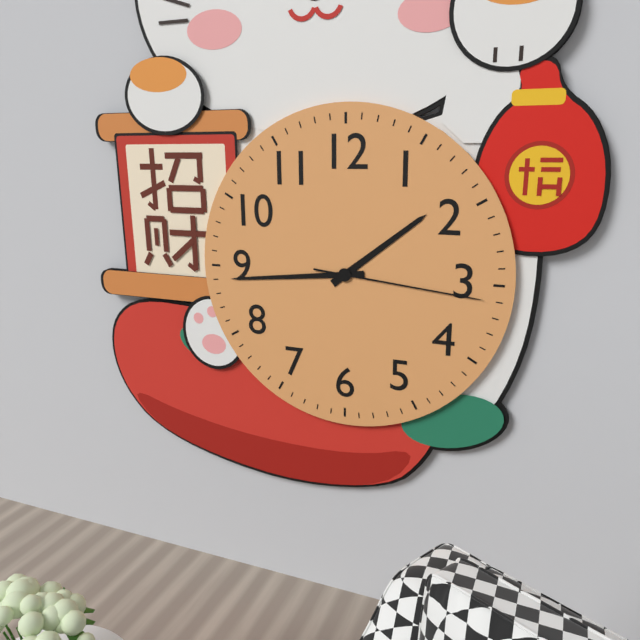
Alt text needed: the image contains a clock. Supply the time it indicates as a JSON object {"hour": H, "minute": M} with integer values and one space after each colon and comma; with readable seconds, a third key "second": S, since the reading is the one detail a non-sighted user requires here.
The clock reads {"hour": 1, "minute": 44, "second": 16}
